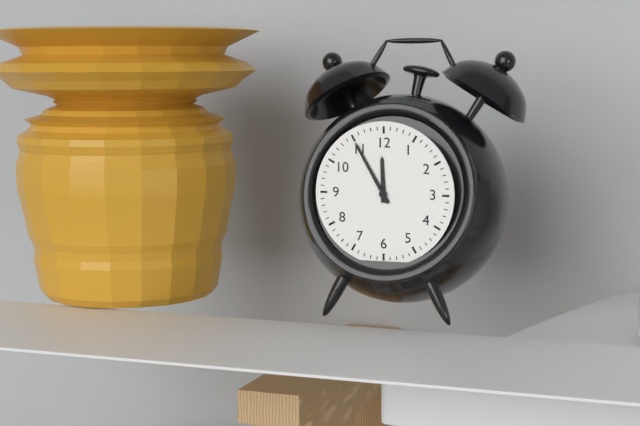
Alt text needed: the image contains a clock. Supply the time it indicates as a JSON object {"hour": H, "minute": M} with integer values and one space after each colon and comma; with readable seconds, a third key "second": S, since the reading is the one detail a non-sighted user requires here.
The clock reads {"hour": 11, "minute": 55}
